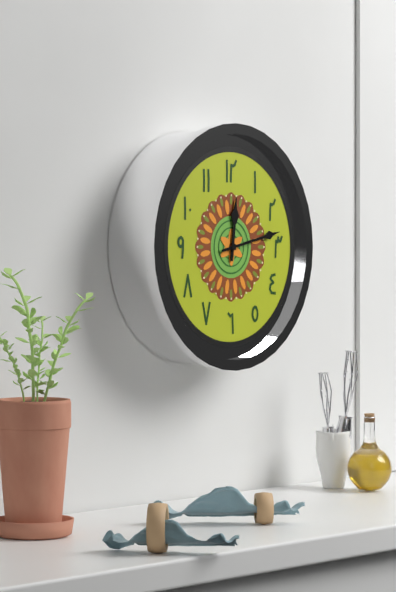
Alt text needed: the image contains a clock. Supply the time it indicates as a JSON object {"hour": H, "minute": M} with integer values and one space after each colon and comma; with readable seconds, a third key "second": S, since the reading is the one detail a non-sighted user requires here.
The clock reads {"hour": 12, "minute": 13}
